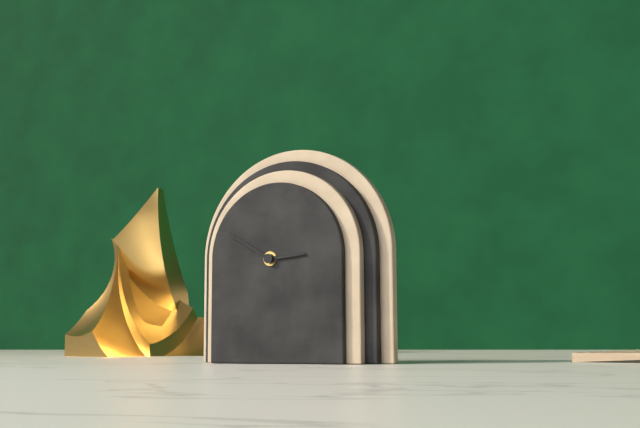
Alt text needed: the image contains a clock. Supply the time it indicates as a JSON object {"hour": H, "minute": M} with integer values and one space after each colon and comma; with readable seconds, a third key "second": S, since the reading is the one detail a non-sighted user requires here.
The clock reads {"hour": 2, "minute": 50}
